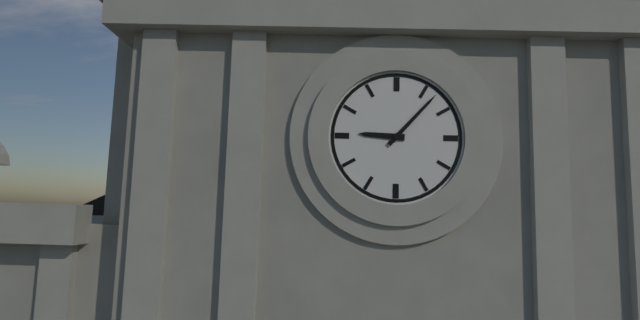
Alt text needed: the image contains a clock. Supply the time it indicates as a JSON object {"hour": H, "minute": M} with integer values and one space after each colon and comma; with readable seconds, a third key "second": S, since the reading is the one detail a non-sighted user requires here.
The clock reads {"hour": 9, "minute": 7}
